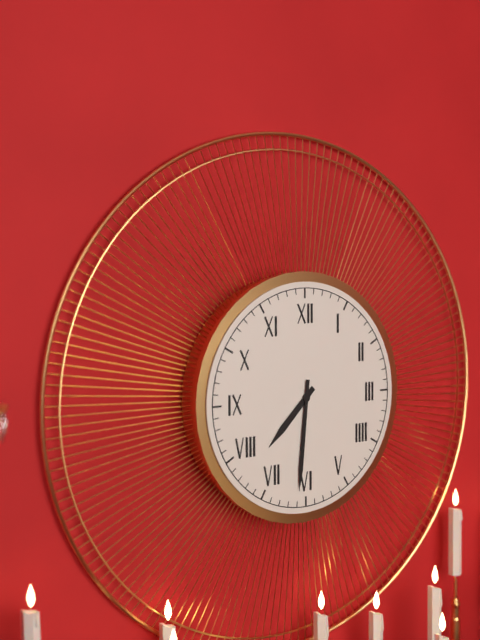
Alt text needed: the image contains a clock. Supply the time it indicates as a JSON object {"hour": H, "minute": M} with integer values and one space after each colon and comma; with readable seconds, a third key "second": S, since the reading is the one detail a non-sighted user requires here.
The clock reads {"hour": 7, "minute": 31}
